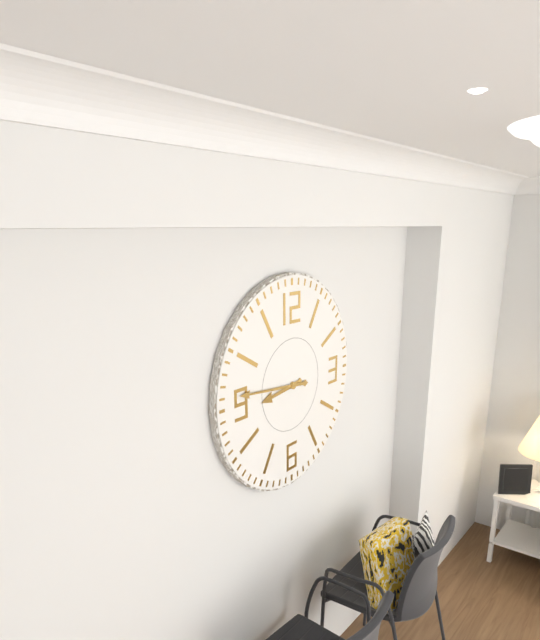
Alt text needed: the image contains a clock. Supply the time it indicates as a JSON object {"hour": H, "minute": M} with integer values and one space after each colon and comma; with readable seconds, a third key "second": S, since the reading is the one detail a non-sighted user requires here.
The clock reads {"hour": 8, "minute": 46}
